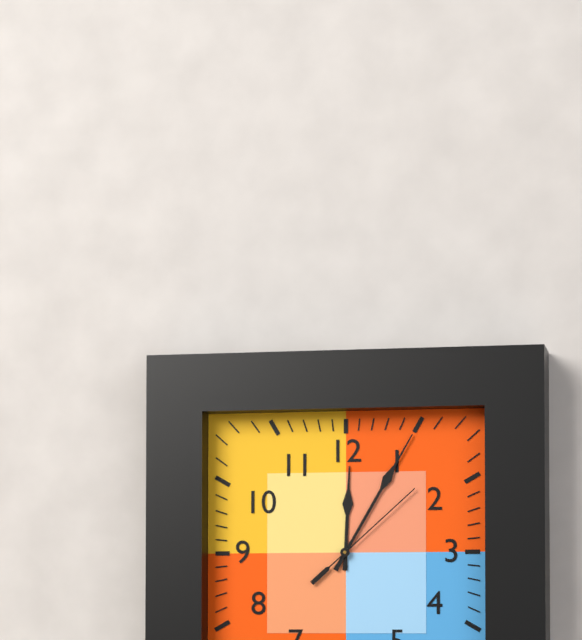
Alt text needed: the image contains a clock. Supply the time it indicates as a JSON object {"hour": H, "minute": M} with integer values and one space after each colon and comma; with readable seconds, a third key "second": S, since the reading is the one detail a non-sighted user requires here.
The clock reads {"hour": 12, "minute": 5, "second": 8}
